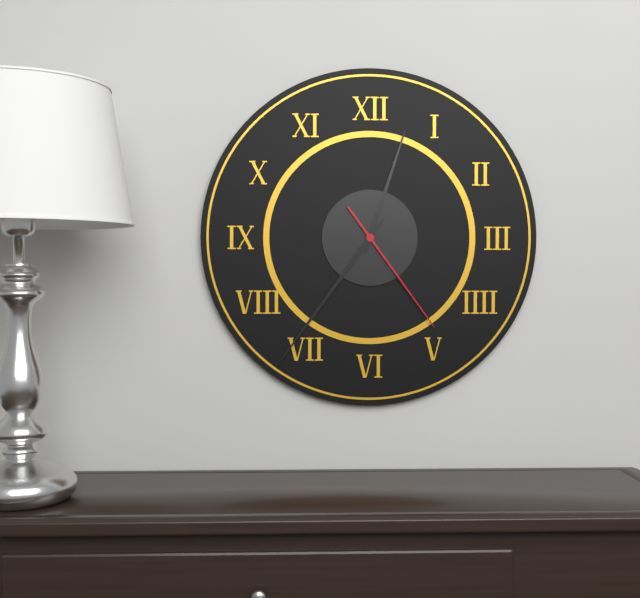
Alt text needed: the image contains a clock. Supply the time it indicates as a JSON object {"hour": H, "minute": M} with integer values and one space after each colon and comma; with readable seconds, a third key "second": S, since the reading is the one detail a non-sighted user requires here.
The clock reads {"hour": 12, "minute": 36, "second": 24}
